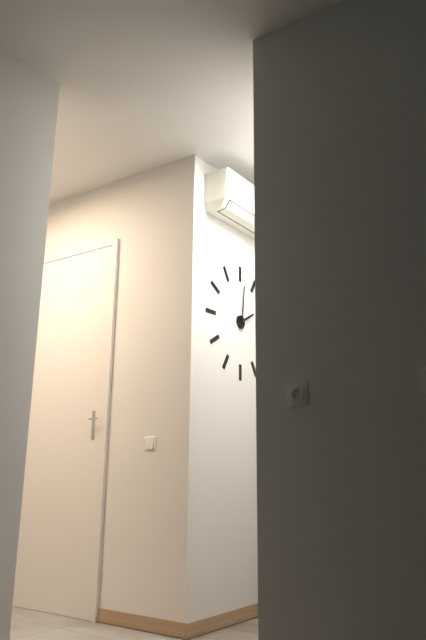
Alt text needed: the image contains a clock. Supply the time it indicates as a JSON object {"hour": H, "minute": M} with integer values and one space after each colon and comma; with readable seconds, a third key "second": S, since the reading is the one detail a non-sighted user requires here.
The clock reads {"hour": 2, "minute": 1}
